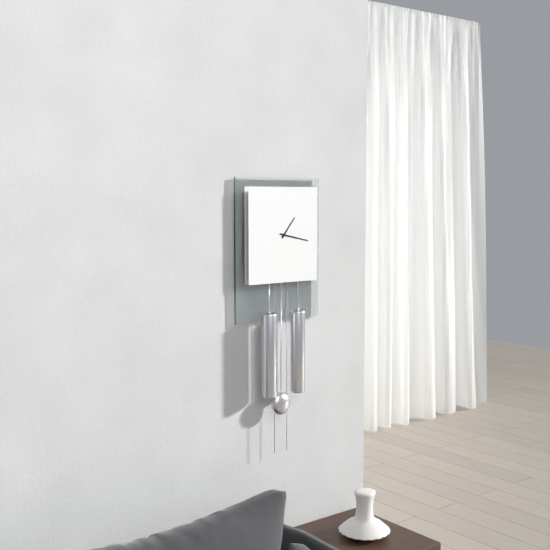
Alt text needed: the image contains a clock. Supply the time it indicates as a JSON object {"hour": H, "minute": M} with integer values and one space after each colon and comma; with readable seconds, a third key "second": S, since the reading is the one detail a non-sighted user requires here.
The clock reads {"hour": 1, "minute": 17}
